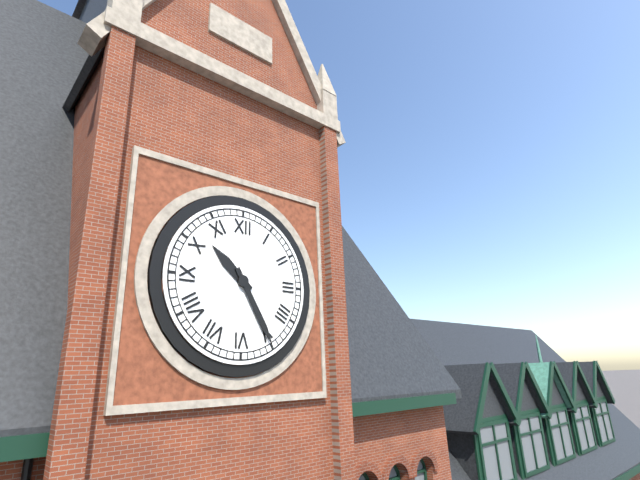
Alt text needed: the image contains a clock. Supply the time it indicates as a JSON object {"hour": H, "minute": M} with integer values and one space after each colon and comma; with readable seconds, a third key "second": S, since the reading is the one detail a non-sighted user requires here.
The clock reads {"hour": 10, "minute": 25}
